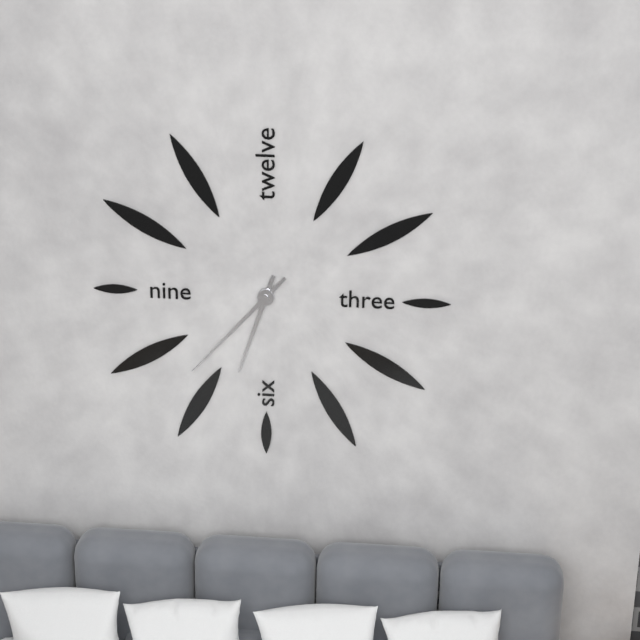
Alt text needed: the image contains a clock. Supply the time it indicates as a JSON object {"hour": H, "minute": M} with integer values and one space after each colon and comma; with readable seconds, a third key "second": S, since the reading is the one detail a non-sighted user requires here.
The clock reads {"hour": 6, "minute": 37}
